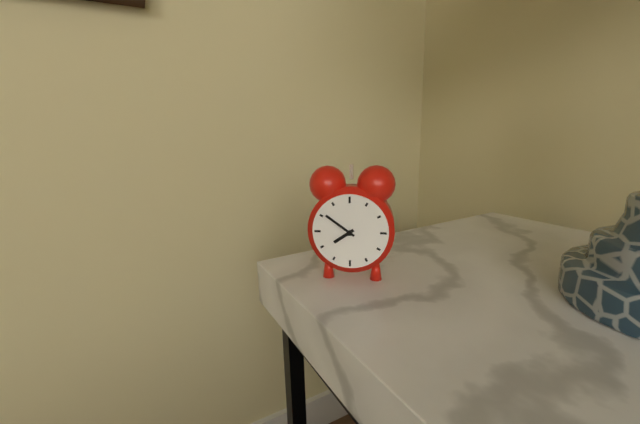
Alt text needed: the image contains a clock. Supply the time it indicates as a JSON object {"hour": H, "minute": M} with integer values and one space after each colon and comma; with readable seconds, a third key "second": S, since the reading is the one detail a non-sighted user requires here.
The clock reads {"hour": 7, "minute": 51}
